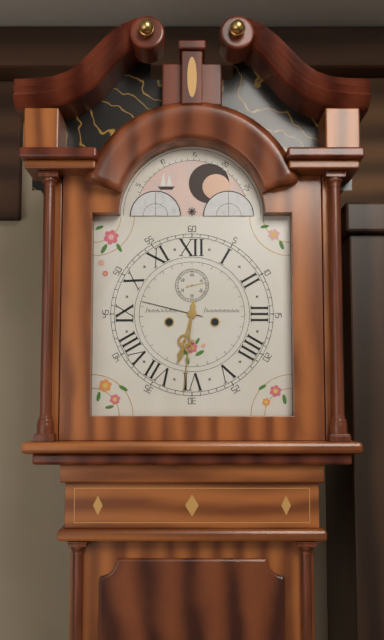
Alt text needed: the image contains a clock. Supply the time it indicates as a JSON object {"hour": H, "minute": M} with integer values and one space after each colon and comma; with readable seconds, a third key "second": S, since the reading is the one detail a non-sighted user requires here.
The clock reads {"hour": 6, "minute": 31}
